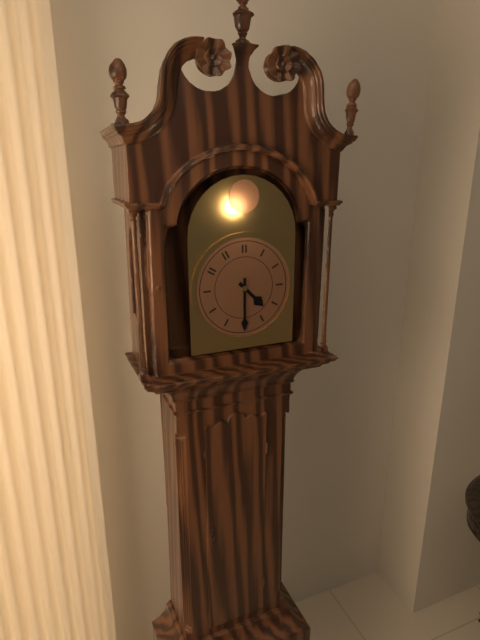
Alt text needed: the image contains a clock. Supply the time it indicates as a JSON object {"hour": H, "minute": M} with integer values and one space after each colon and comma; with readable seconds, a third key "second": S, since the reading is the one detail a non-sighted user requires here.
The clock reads {"hour": 4, "minute": 30}
